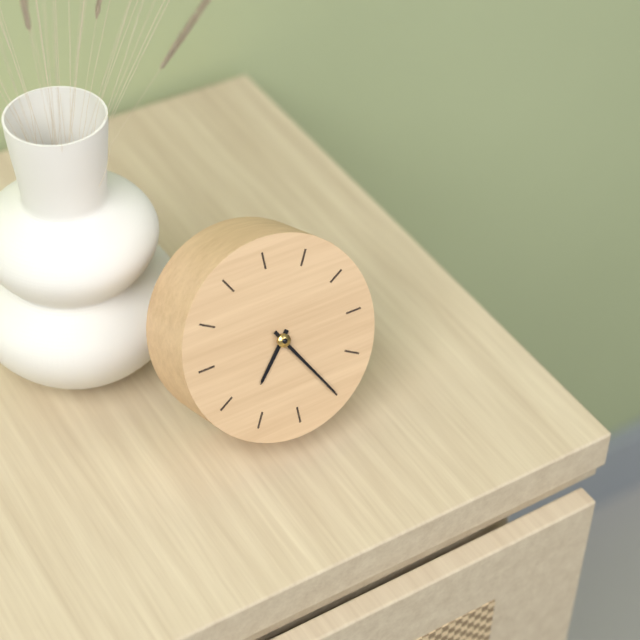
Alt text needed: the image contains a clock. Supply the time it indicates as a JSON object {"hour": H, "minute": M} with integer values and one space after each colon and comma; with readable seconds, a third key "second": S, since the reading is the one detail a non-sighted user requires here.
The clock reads {"hour": 7, "minute": 25}
